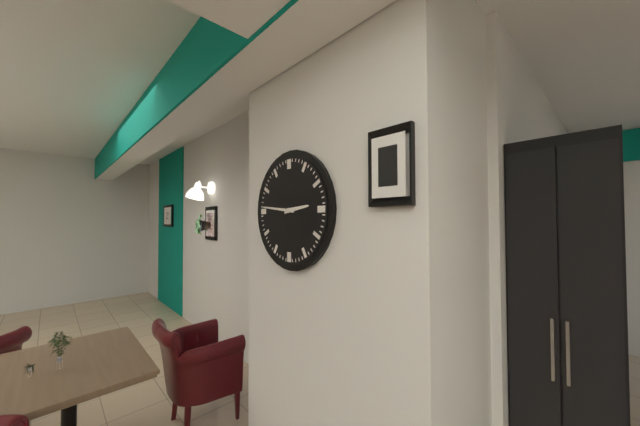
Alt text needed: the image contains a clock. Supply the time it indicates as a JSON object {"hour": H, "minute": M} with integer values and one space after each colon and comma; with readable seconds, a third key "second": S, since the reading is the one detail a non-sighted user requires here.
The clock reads {"hour": 2, "minute": 46}
